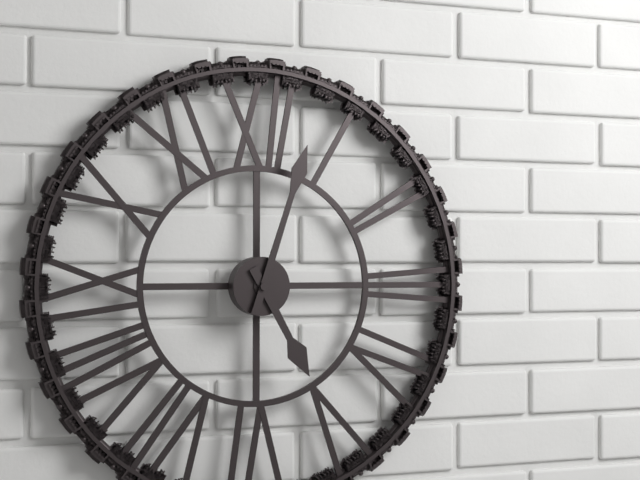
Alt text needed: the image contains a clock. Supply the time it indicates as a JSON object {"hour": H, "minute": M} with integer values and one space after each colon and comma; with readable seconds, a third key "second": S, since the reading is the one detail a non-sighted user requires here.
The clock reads {"hour": 5, "minute": 3}
